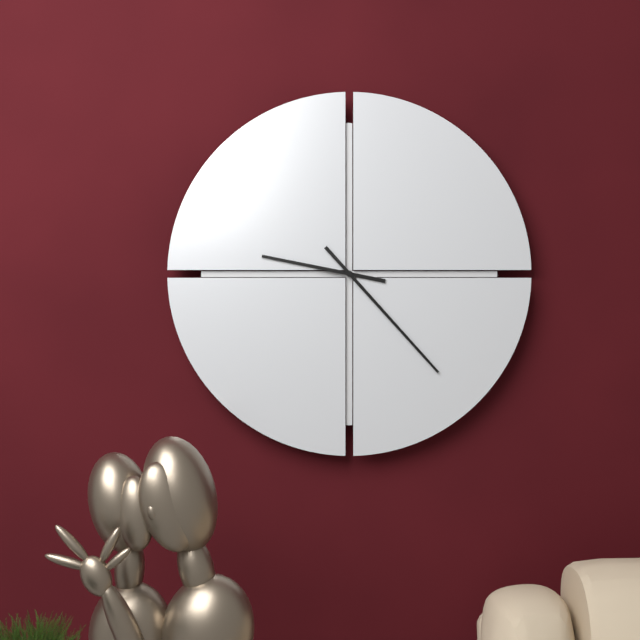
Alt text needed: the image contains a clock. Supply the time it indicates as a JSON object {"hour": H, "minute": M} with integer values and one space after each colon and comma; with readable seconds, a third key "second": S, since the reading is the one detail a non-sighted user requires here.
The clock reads {"hour": 9, "minute": 23}
